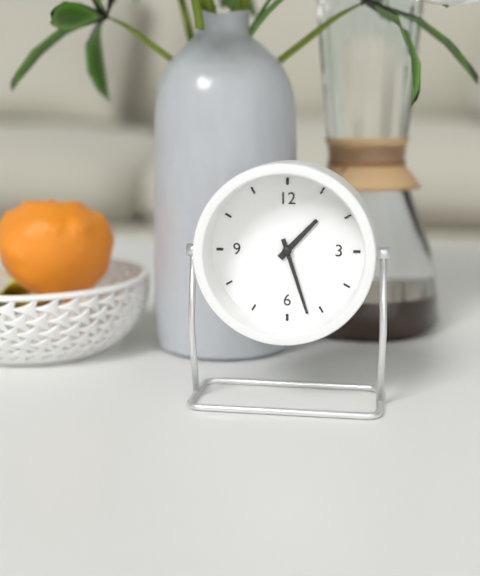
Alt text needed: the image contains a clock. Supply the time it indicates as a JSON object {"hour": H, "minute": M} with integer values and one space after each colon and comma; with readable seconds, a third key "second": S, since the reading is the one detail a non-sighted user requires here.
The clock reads {"hour": 1, "minute": 27}
